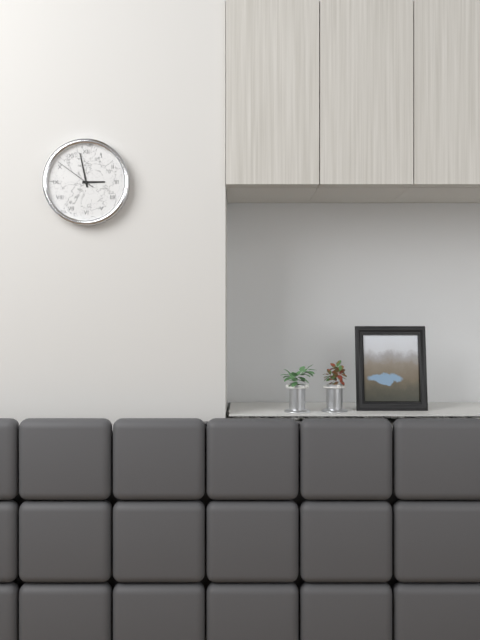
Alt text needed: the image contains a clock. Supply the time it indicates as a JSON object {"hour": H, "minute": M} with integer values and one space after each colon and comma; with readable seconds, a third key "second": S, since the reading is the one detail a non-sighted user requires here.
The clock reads {"hour": 2, "minute": 58}
